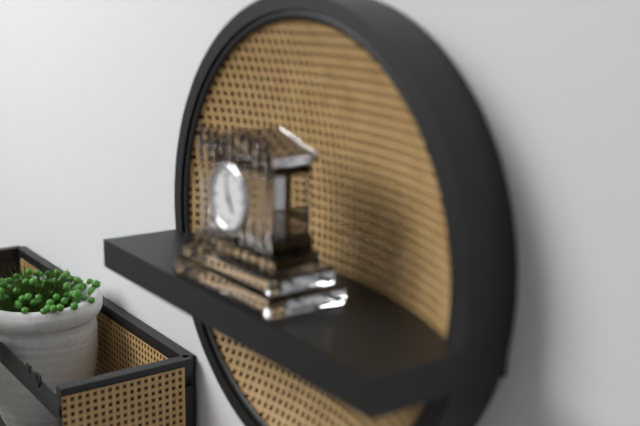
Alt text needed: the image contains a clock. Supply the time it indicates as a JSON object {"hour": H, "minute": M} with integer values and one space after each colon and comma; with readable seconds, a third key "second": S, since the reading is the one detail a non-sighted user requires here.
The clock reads {"hour": 4, "minute": 58}
